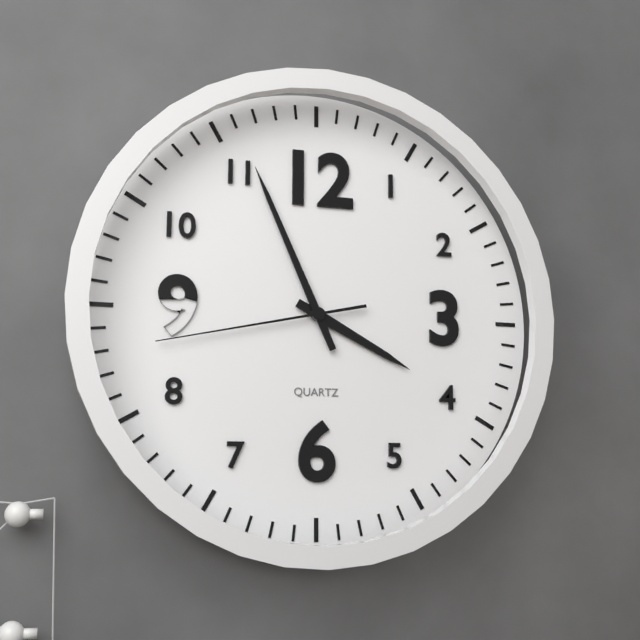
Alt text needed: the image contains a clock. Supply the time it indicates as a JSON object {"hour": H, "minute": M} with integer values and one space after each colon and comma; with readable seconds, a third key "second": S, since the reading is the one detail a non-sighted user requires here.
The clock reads {"hour": 3, "minute": 56, "second": 43}
